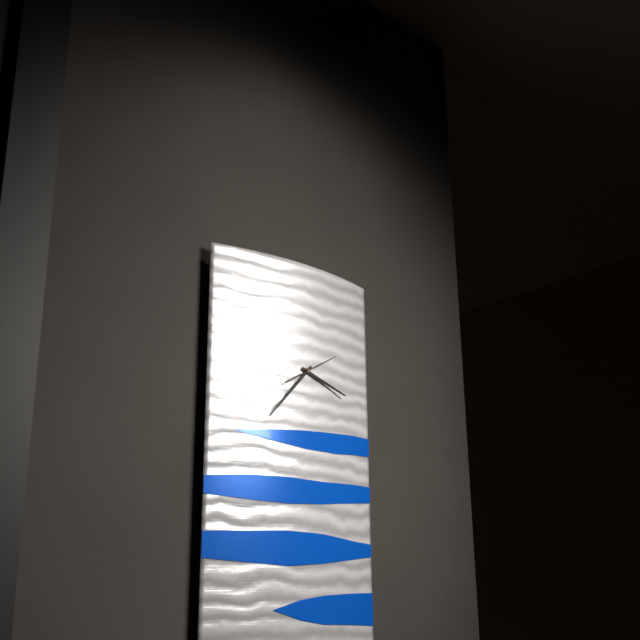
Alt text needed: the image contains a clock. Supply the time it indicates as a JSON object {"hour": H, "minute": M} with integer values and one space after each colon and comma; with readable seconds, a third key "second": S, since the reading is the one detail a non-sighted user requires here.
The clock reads {"hour": 3, "minute": 37, "second": 10}
